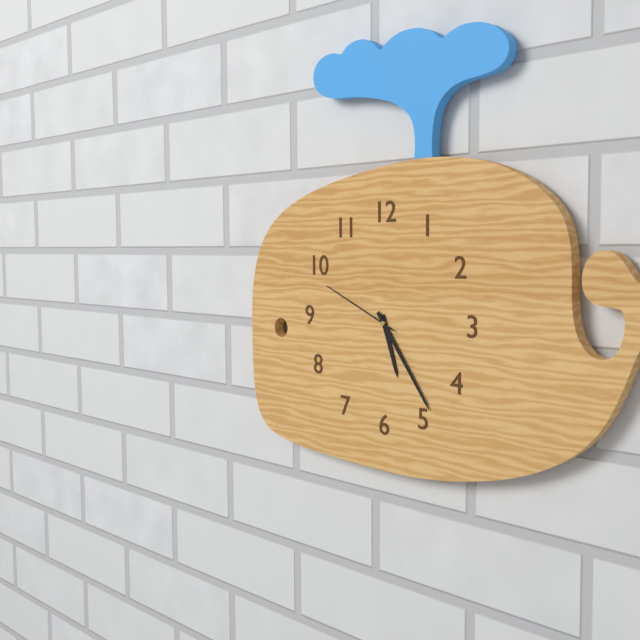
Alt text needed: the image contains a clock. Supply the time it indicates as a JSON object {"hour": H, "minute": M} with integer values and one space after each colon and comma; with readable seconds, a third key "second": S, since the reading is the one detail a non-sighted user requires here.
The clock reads {"hour": 5, "minute": 24, "second": 49}
